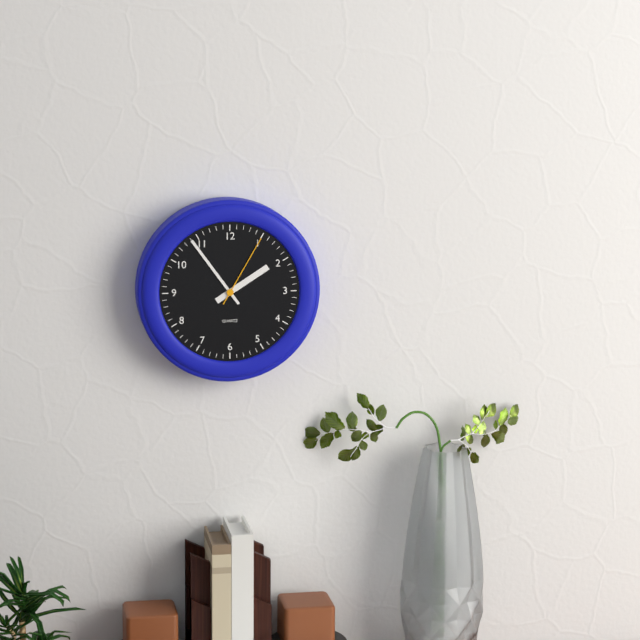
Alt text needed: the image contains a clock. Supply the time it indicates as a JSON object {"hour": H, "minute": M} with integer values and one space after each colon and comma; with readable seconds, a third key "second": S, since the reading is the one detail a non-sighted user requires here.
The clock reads {"hour": 1, "minute": 54, "second": 5}
